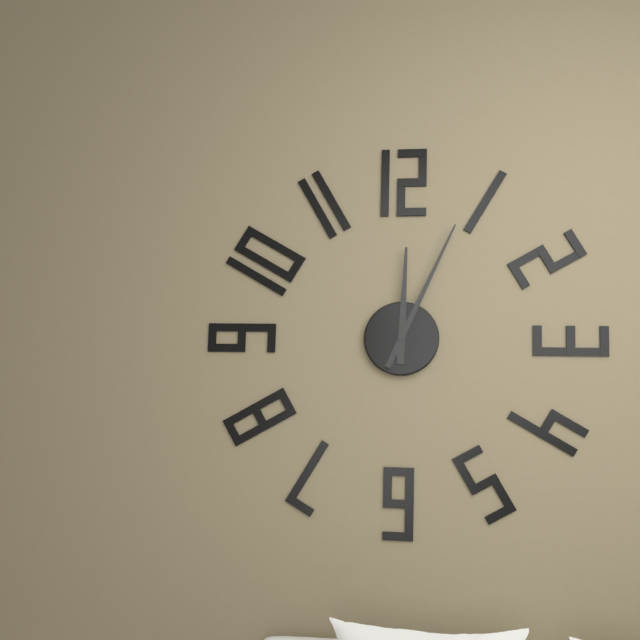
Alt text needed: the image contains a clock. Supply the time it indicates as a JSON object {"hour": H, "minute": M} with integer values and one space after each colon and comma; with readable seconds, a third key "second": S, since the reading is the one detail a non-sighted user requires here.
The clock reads {"hour": 12, "minute": 4}
